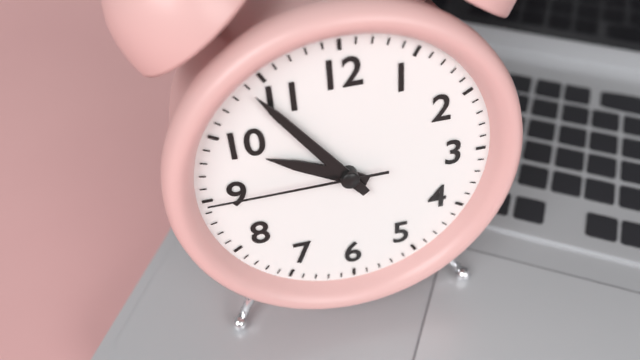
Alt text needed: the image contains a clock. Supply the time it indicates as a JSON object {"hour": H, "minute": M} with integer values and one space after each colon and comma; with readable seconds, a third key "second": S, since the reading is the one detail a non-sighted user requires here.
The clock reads {"hour": 9, "minute": 54, "second": 45}
